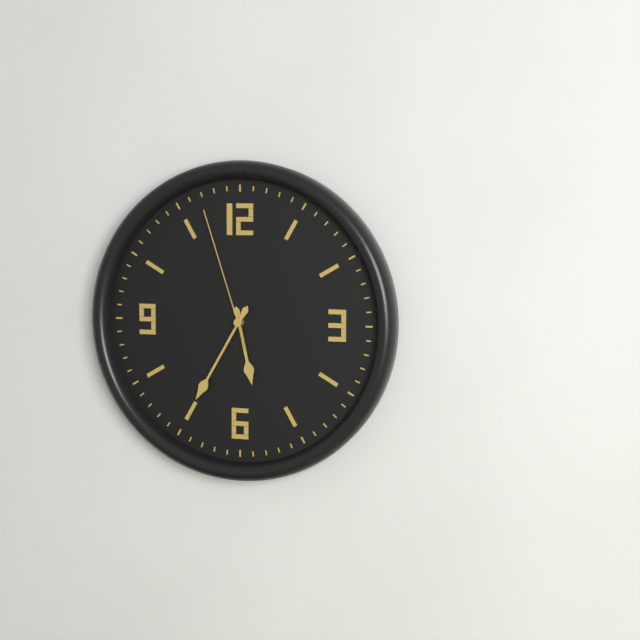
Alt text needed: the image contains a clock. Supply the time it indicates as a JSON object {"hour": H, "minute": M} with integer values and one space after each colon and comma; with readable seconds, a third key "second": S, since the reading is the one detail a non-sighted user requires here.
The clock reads {"hour": 5, "minute": 35, "second": 57}
